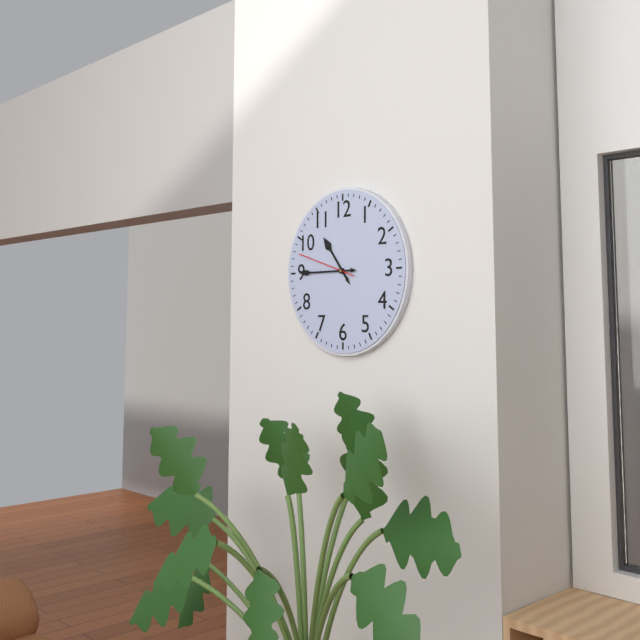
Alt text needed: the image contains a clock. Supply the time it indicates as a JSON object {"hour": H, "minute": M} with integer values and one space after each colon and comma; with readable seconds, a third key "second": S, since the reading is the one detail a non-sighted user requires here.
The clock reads {"hour": 10, "minute": 45, "second": 48}
